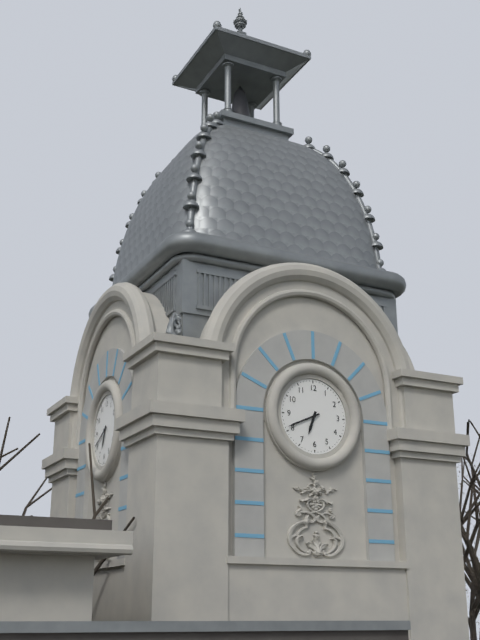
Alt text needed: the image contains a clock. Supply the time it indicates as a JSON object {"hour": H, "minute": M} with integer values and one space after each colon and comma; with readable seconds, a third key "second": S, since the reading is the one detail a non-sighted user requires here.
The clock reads {"hour": 6, "minute": 41}
